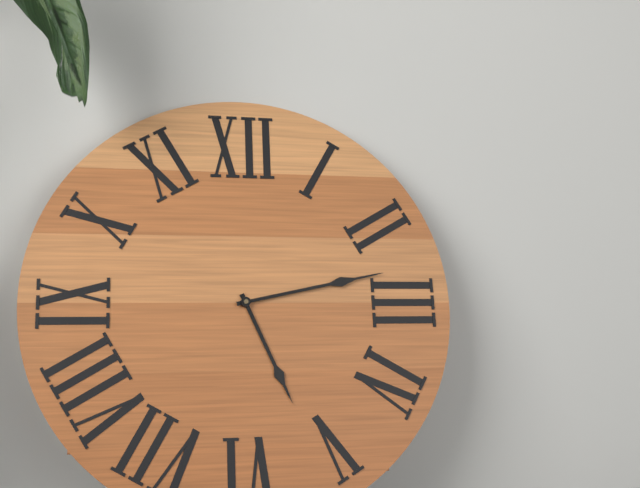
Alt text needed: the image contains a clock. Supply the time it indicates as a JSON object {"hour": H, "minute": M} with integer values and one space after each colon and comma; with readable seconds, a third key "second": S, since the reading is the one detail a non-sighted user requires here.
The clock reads {"hour": 5, "minute": 13}
